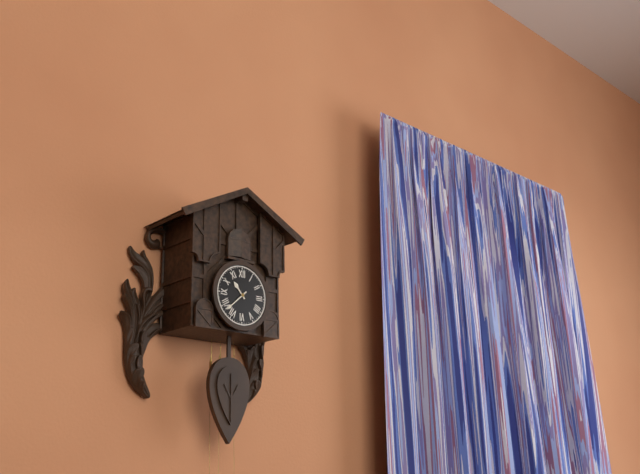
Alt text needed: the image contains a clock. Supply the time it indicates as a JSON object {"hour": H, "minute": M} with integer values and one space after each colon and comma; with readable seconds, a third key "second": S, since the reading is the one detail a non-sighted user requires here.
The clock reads {"hour": 10, "minute": 38}
